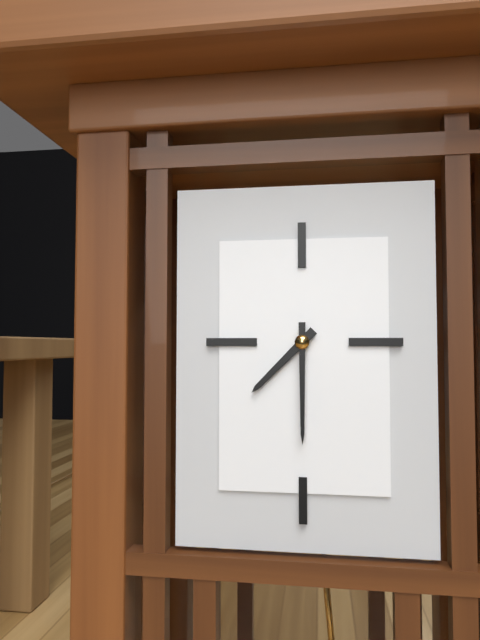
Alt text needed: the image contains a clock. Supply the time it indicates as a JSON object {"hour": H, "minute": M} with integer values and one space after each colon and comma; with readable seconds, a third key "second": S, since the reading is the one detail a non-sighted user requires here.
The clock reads {"hour": 7, "minute": 30}
